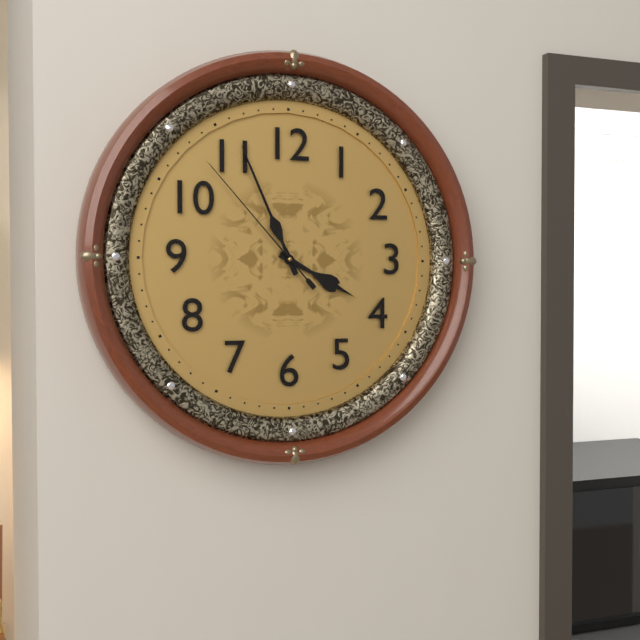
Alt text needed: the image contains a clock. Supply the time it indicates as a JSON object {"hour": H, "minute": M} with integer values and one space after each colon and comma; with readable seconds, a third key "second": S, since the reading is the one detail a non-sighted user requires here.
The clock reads {"hour": 3, "minute": 56, "second": 53}
